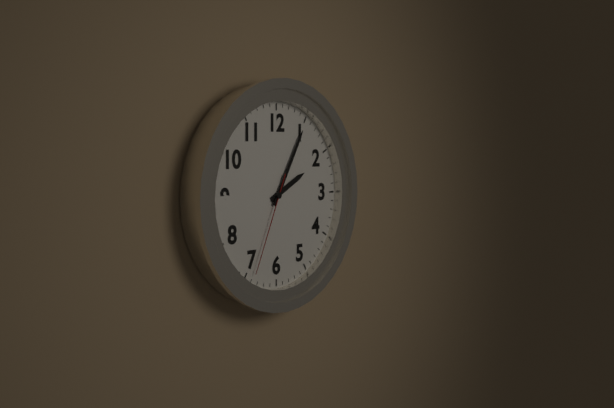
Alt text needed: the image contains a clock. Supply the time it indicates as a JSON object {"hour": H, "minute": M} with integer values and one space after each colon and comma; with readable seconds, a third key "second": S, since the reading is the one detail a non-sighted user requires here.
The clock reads {"hour": 2, "minute": 5, "second": 34}
